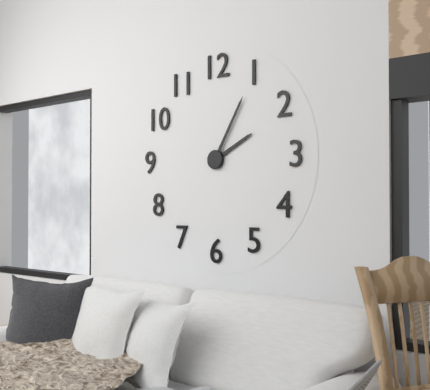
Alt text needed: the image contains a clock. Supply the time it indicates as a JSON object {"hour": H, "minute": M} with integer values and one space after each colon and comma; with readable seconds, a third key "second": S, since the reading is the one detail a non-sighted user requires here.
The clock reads {"hour": 2, "minute": 5}
